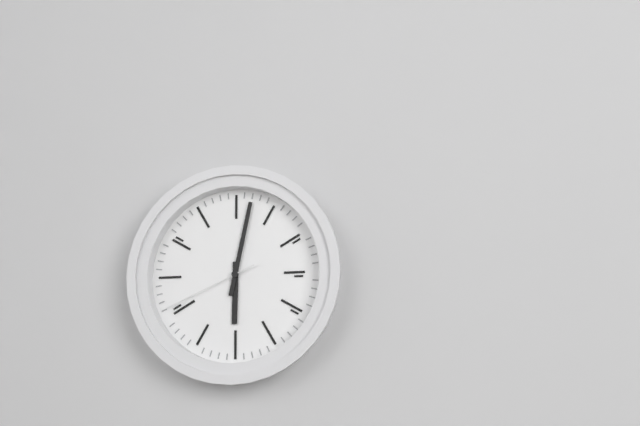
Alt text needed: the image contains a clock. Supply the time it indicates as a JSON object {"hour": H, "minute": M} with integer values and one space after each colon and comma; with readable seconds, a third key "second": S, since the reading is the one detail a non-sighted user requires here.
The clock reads {"hour": 6, "minute": 2, "second": 41}
